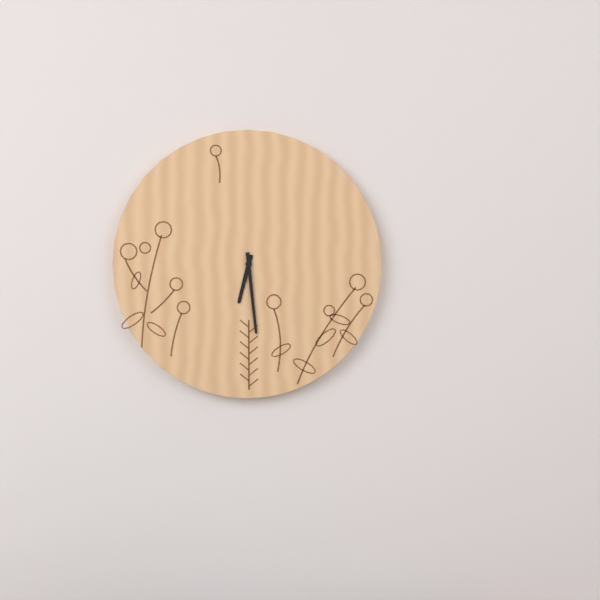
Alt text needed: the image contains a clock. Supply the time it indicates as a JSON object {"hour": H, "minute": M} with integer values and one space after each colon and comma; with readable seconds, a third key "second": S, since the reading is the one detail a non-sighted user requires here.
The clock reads {"hour": 6, "minute": 29}
